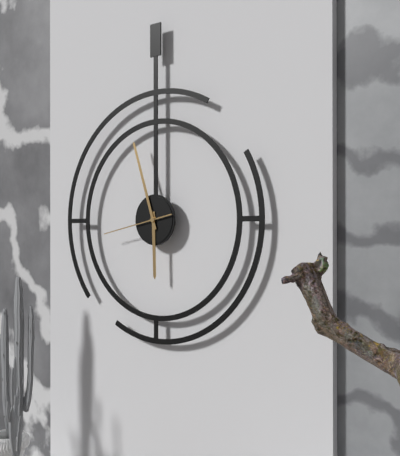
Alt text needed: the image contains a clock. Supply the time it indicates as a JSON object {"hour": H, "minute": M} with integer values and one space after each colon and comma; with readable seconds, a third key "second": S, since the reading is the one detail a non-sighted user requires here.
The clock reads {"hour": 5, "minute": 57, "second": 43}
